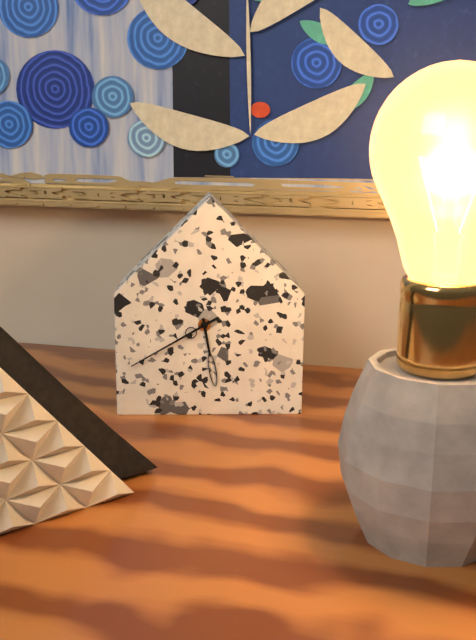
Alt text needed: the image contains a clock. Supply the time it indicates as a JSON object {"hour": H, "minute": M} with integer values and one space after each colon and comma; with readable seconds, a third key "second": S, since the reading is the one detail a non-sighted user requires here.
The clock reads {"hour": 5, "minute": 40}
